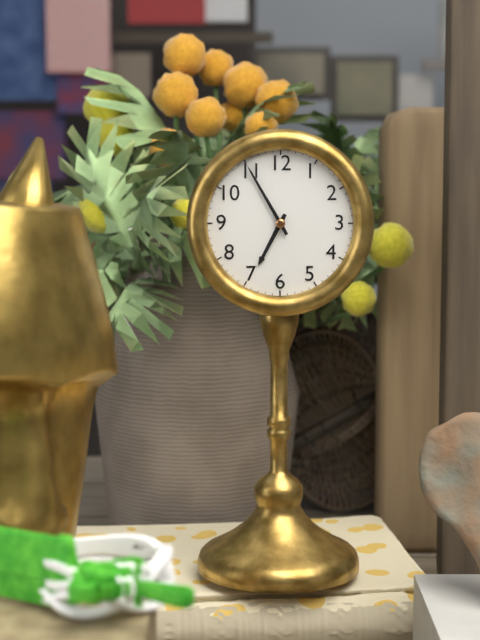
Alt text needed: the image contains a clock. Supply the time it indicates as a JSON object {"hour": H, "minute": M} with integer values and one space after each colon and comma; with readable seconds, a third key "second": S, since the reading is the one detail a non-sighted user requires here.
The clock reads {"hour": 6, "minute": 55}
